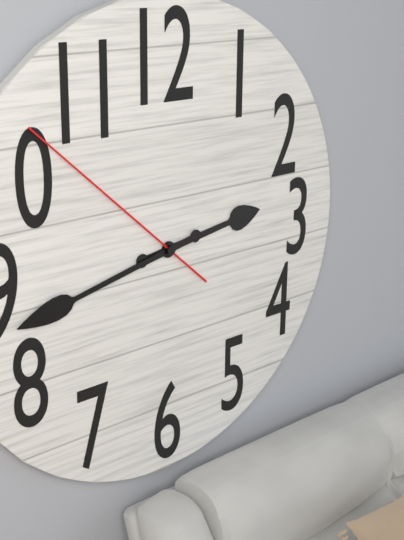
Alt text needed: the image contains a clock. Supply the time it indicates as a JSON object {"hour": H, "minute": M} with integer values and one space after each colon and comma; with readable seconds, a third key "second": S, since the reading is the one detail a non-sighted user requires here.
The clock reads {"hour": 2, "minute": 43, "second": 52}
